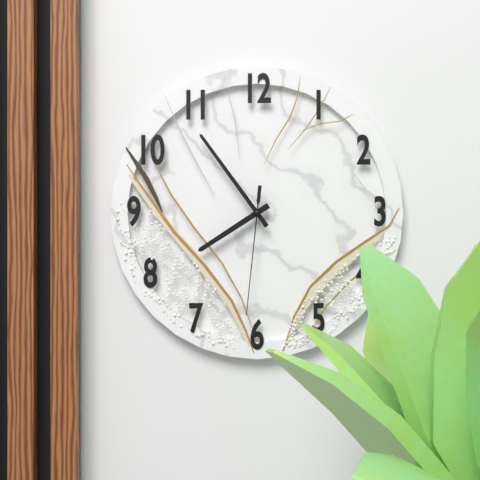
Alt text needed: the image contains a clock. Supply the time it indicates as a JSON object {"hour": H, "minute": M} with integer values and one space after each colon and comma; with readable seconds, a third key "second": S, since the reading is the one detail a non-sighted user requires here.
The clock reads {"hour": 7, "minute": 54, "second": 31}
